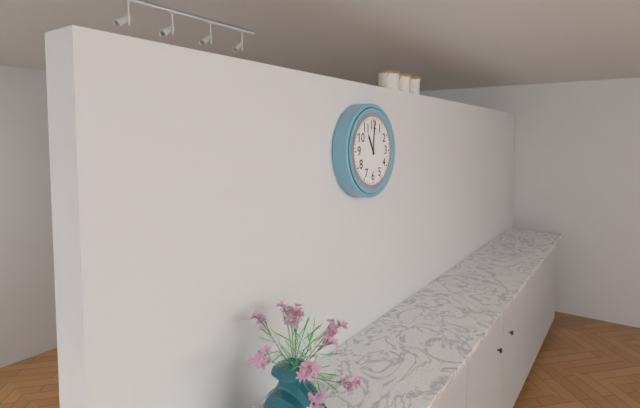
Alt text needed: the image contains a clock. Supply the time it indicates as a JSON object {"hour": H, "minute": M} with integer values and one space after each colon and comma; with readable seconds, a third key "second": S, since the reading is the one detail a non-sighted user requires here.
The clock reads {"hour": 11, "minute": 1}
